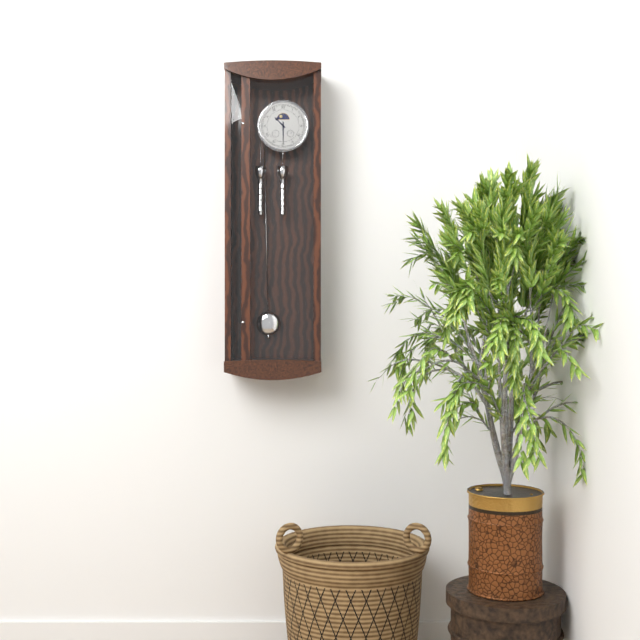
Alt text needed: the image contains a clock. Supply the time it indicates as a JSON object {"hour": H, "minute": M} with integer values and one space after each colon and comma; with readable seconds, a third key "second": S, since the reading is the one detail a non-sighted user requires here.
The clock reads {"hour": 10, "minute": 30}
